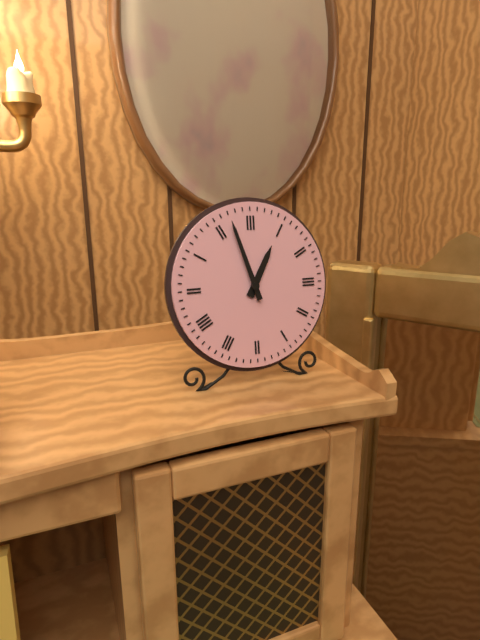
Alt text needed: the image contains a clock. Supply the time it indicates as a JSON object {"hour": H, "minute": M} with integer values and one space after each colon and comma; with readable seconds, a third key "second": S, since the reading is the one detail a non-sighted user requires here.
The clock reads {"hour": 12, "minute": 57}
